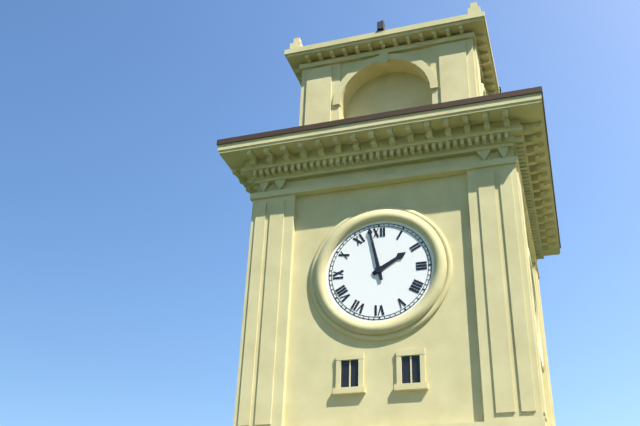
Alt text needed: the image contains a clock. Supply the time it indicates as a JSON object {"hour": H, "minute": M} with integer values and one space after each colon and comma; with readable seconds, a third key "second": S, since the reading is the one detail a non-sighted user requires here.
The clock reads {"hour": 1, "minute": 58}
